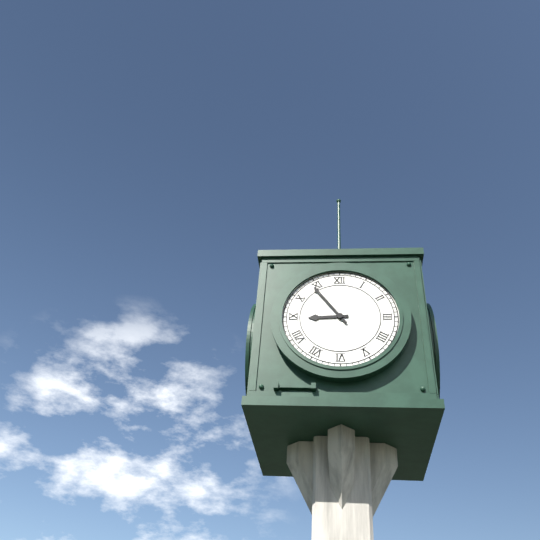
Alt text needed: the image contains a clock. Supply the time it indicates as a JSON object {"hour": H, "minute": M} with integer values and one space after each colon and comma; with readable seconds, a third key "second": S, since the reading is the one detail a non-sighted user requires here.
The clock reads {"hour": 8, "minute": 54}
